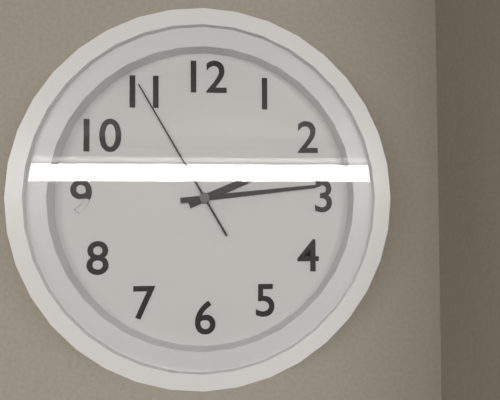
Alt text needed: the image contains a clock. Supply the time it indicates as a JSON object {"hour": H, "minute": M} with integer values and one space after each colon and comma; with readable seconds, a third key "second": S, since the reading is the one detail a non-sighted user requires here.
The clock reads {"hour": 2, "minute": 14, "second": 55}
